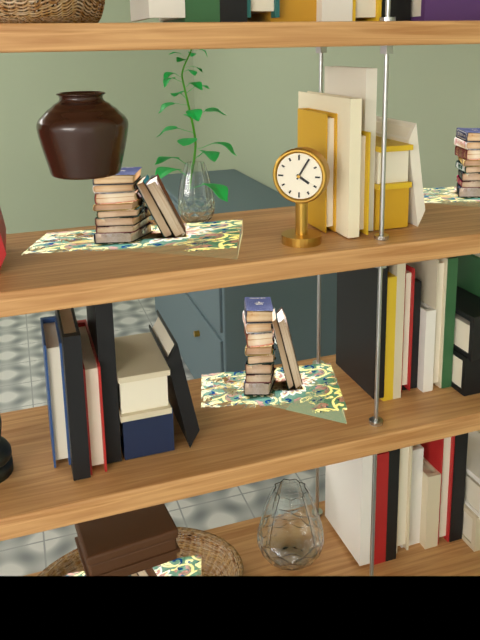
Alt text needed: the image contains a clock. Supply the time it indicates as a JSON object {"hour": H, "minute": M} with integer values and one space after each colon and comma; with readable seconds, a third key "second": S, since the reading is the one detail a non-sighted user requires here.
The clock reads {"hour": 4, "minute": 5}
